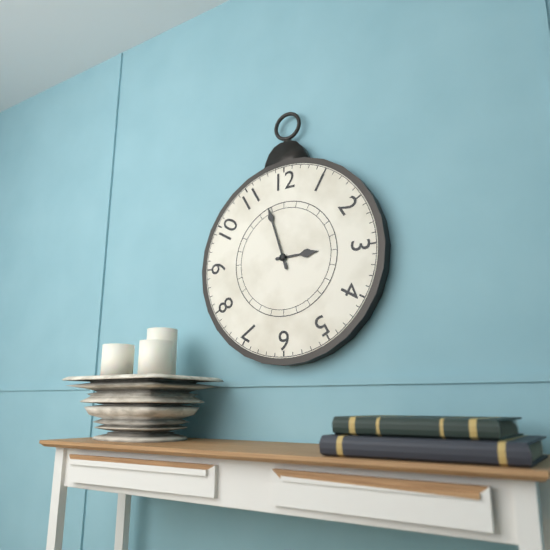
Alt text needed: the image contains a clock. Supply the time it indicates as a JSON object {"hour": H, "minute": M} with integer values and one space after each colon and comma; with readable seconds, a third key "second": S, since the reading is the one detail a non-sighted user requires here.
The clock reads {"hour": 2, "minute": 57}
